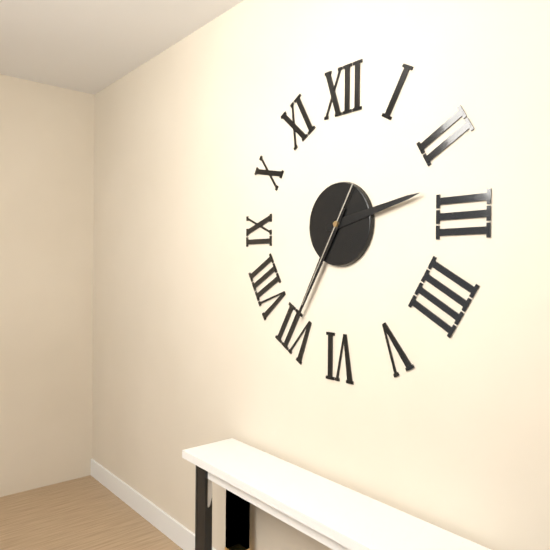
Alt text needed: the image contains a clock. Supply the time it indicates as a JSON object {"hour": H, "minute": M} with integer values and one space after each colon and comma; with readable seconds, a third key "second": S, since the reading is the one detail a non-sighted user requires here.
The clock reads {"hour": 2, "minute": 35, "second": 35}
